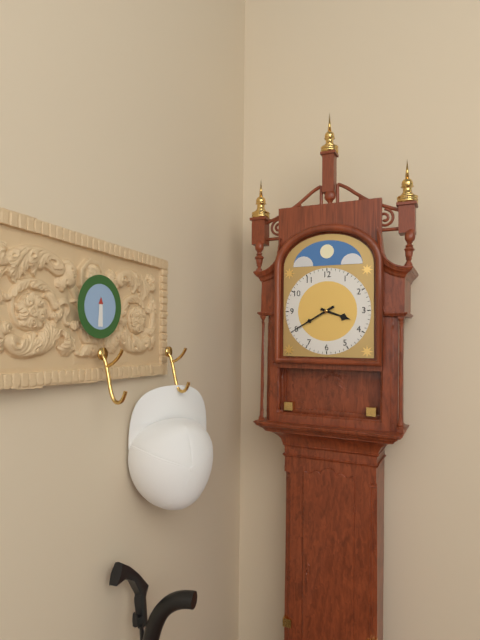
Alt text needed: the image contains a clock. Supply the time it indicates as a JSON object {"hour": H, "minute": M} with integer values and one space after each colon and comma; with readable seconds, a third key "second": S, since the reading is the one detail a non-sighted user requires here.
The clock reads {"hour": 3, "minute": 40}
